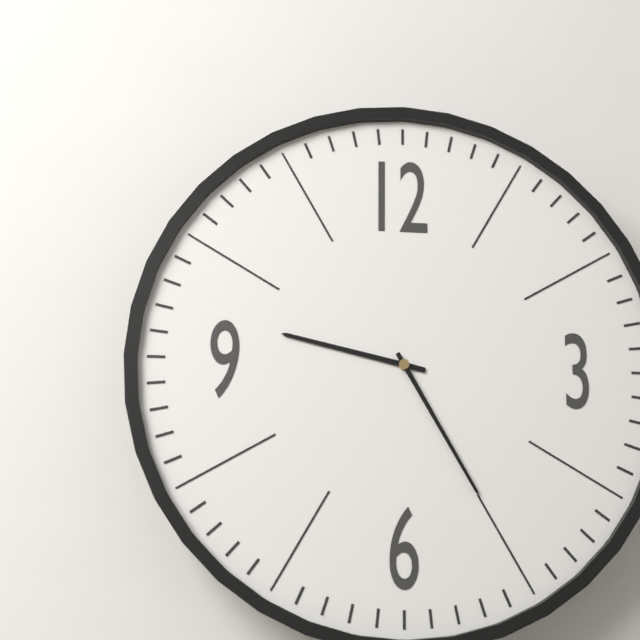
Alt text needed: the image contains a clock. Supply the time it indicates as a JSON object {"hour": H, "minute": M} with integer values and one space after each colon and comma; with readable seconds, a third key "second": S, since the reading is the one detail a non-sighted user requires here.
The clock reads {"hour": 9, "minute": 25}
